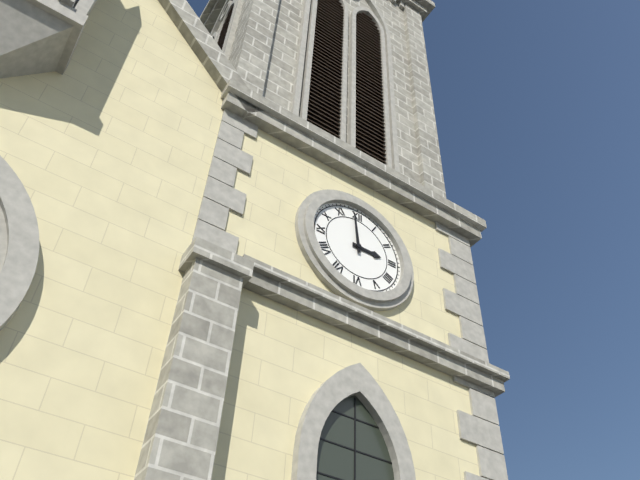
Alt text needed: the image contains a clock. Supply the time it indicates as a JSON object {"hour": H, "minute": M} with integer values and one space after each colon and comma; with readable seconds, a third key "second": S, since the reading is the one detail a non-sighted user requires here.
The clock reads {"hour": 2, "minute": 59}
